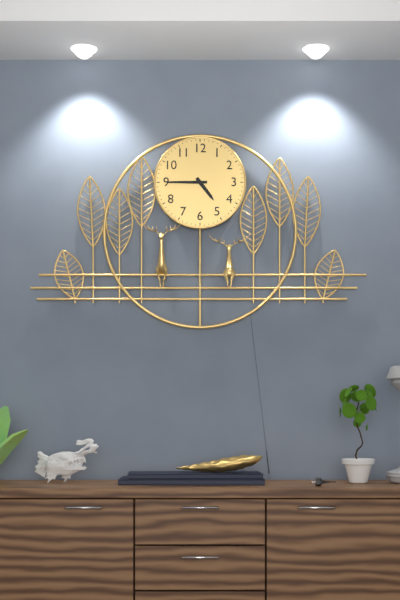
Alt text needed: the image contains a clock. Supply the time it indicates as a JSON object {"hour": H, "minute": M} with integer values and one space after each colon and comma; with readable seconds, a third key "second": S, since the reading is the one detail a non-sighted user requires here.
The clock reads {"hour": 4, "minute": 45}
